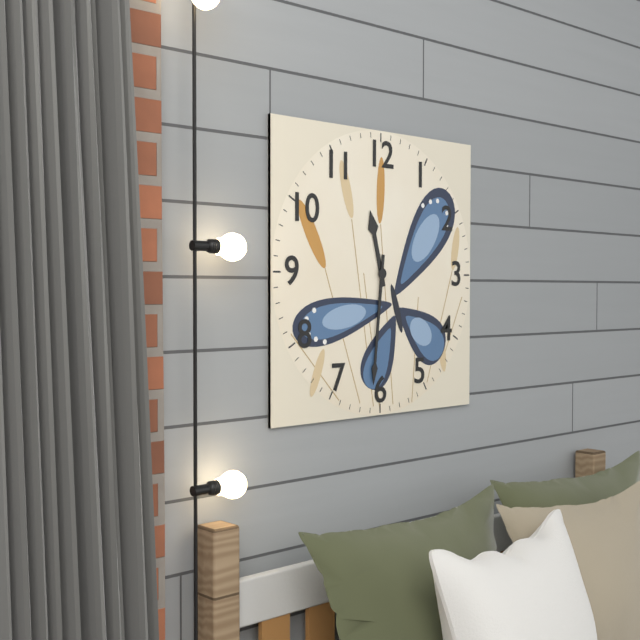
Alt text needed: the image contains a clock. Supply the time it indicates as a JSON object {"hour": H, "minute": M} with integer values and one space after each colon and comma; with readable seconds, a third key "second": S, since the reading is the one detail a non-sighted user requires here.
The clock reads {"hour": 11, "minute": 31}
